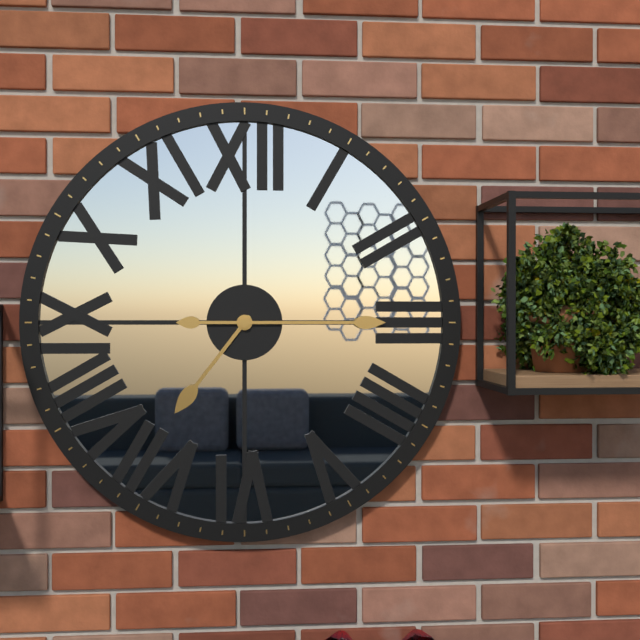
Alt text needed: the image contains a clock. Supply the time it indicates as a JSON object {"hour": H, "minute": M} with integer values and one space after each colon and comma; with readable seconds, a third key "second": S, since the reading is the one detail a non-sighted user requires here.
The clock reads {"hour": 7, "minute": 15}
